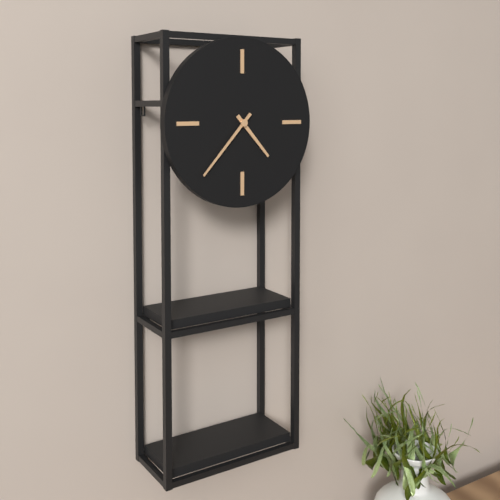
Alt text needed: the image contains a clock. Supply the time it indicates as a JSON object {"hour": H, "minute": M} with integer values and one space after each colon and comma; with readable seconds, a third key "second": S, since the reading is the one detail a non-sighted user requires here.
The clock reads {"hour": 4, "minute": 37}
